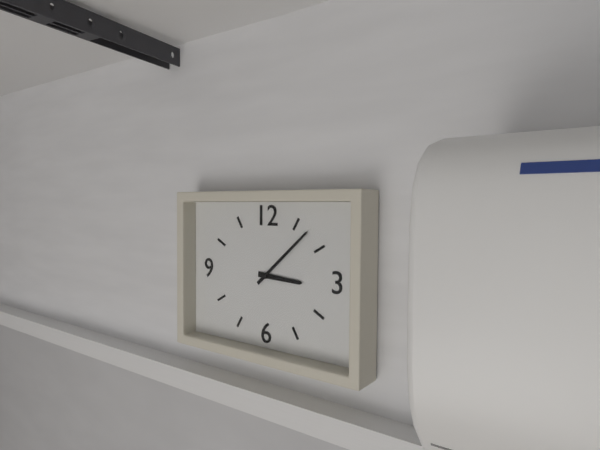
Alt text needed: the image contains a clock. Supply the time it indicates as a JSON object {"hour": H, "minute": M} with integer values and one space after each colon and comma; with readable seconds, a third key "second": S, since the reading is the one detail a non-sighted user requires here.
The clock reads {"hour": 3, "minute": 8}
